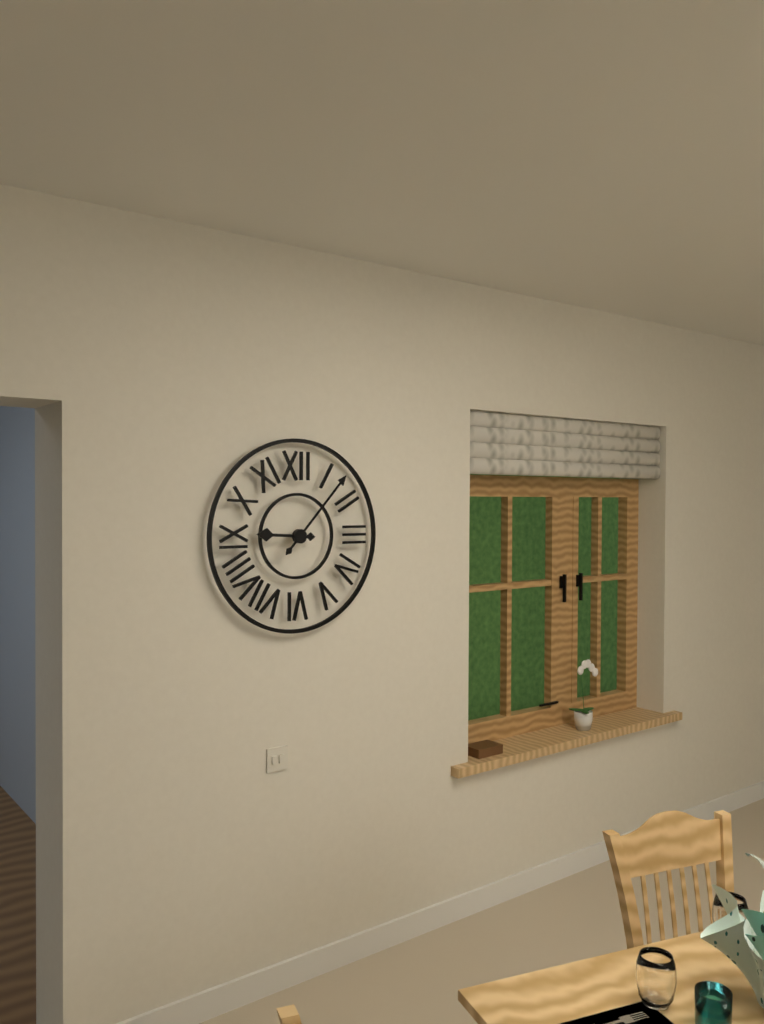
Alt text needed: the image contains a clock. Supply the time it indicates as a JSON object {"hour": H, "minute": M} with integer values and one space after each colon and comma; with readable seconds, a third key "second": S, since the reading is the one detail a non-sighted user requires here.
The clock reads {"hour": 9, "minute": 7}
